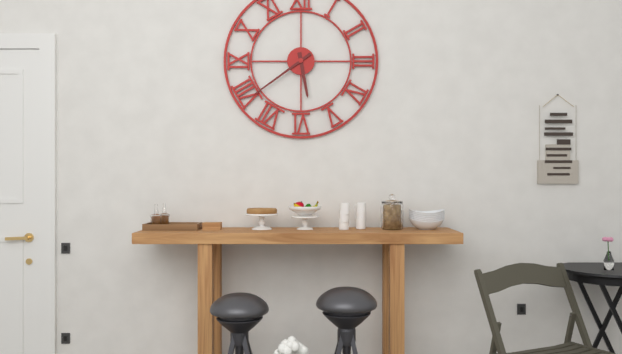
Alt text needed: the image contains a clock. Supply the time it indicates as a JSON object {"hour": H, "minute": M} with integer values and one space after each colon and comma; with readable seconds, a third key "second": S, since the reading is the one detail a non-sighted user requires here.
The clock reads {"hour": 5, "minute": 39}
